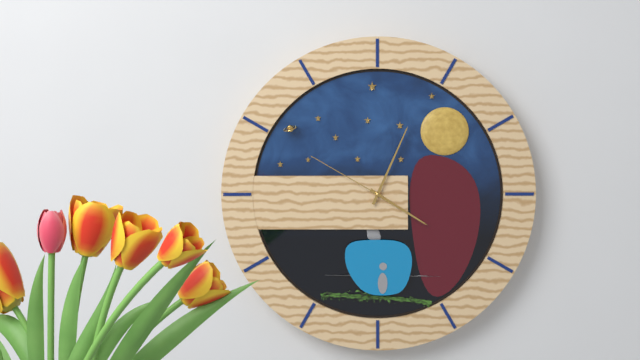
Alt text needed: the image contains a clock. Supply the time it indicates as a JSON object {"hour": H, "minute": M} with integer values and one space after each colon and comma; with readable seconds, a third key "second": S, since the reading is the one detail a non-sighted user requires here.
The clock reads {"hour": 4, "minute": 4, "second": 50}
